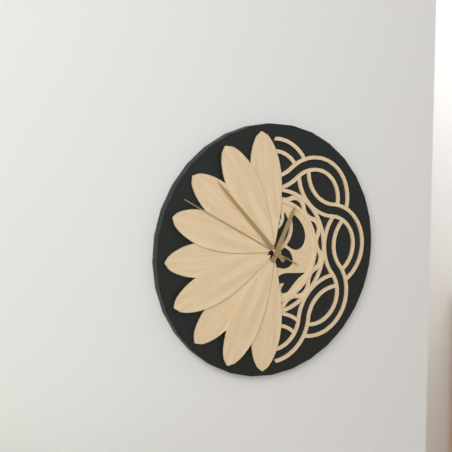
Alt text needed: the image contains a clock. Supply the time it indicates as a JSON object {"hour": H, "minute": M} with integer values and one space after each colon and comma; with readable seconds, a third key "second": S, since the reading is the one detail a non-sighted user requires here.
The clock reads {"hour": 12, "minute": 53, "second": 50}
